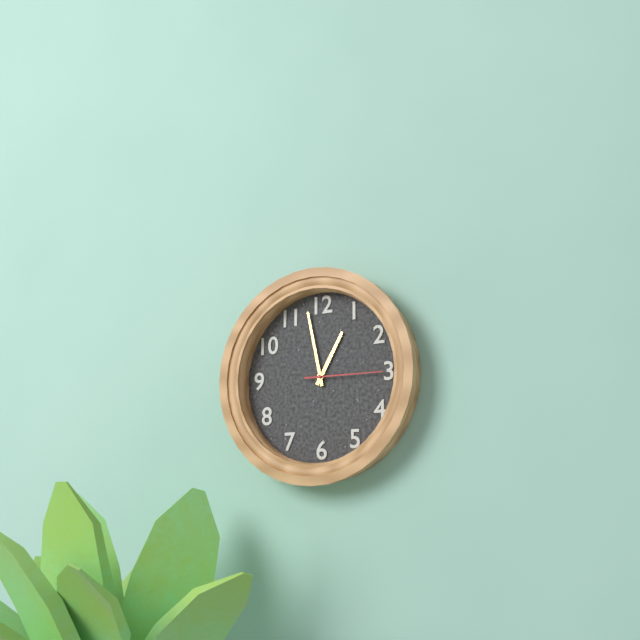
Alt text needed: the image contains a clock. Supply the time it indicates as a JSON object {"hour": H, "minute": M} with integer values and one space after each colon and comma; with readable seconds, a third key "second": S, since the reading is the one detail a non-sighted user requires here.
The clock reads {"hour": 12, "minute": 58, "second": 15}
